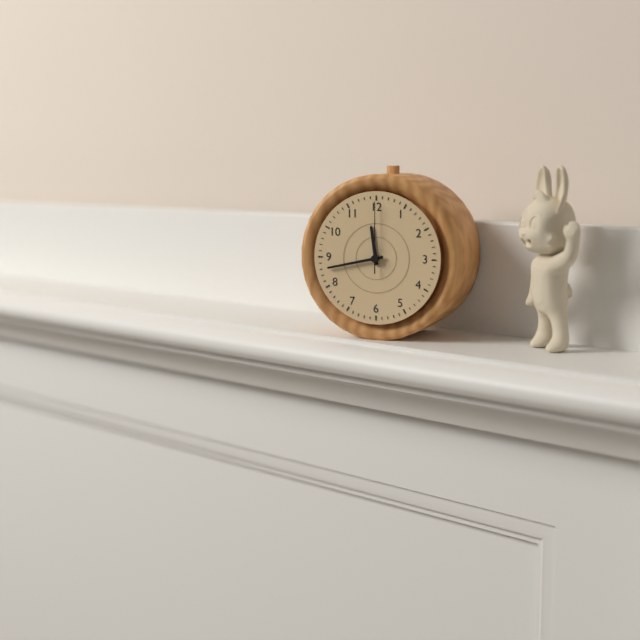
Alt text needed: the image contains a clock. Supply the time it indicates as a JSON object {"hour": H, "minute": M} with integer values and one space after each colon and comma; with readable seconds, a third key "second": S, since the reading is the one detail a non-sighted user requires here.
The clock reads {"hour": 11, "minute": 43, "second": 0}
